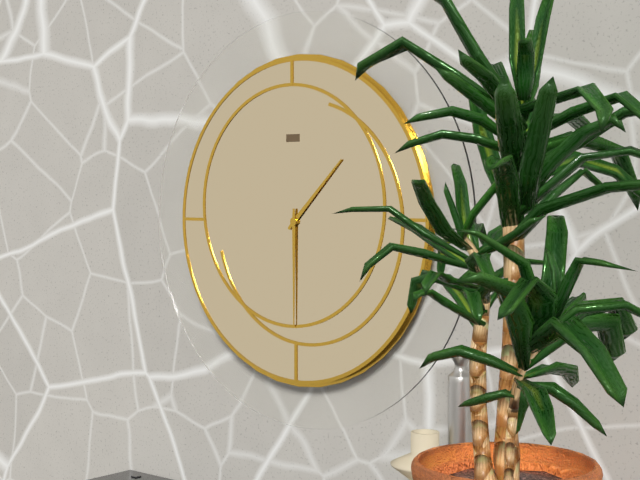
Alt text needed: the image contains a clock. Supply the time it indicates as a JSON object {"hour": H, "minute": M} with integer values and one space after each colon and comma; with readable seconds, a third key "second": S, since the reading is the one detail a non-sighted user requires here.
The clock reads {"hour": 1, "minute": 30}
